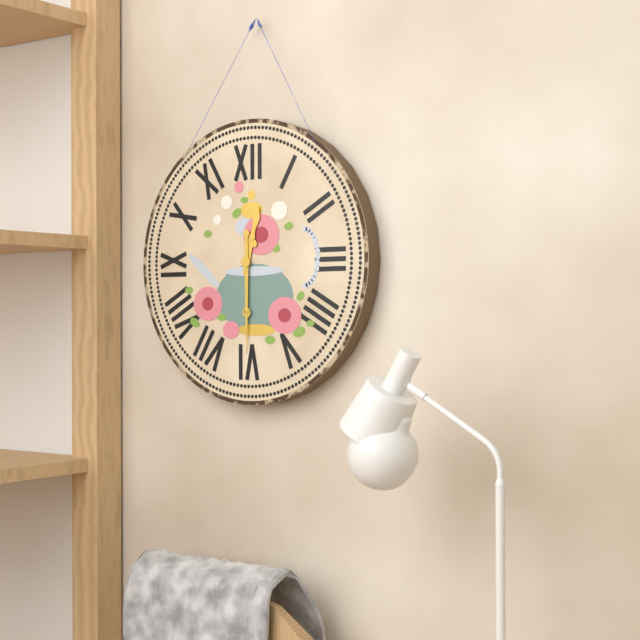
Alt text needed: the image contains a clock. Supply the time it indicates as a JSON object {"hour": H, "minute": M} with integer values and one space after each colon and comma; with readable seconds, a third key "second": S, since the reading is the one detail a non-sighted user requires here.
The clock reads {"hour": 12, "minute": 30}
